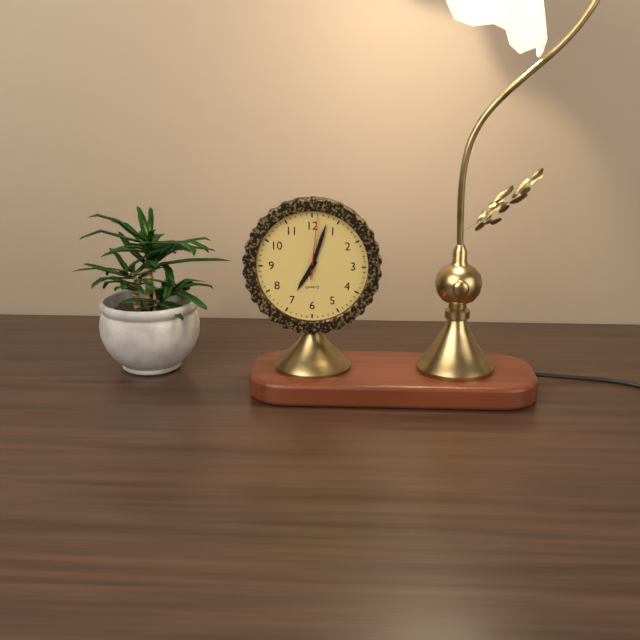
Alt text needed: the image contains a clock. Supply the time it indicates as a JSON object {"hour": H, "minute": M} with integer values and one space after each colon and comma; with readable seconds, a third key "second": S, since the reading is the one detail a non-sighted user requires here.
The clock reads {"hour": 7, "minute": 3, "second": 1}
